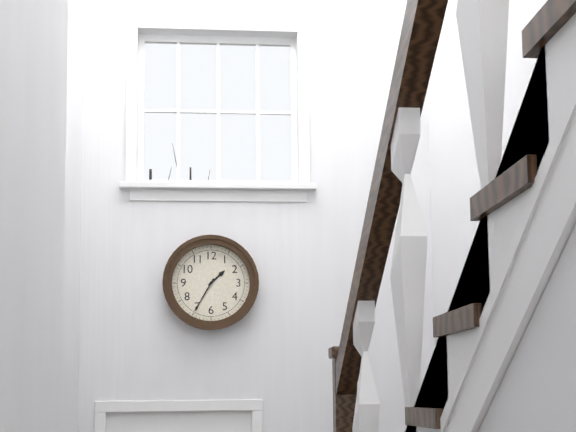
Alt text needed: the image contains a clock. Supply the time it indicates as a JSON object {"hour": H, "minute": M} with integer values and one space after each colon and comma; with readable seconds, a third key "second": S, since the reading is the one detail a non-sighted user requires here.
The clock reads {"hour": 1, "minute": 35}
